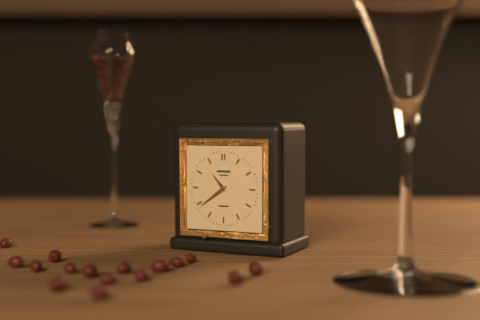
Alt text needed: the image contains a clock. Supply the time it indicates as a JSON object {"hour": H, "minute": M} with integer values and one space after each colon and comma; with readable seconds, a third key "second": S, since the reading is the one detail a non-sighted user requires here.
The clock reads {"hour": 10, "minute": 39}
